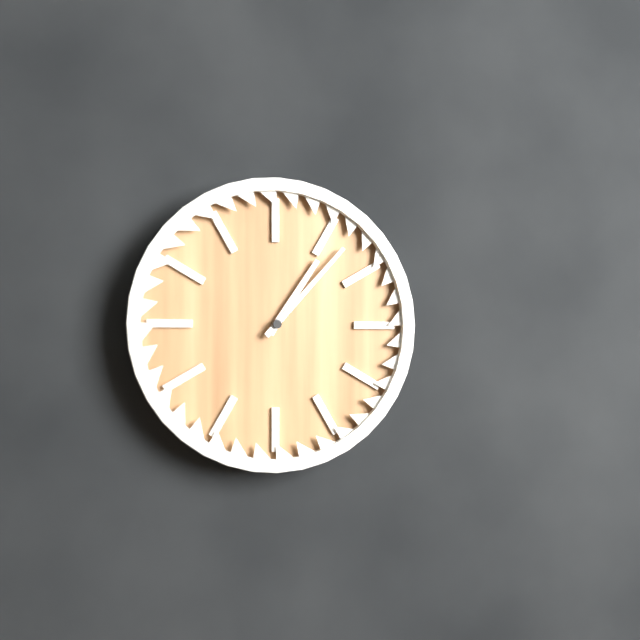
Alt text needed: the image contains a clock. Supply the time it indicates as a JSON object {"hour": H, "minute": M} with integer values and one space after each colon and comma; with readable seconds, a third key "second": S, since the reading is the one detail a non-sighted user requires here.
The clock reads {"hour": 1, "minute": 7}
